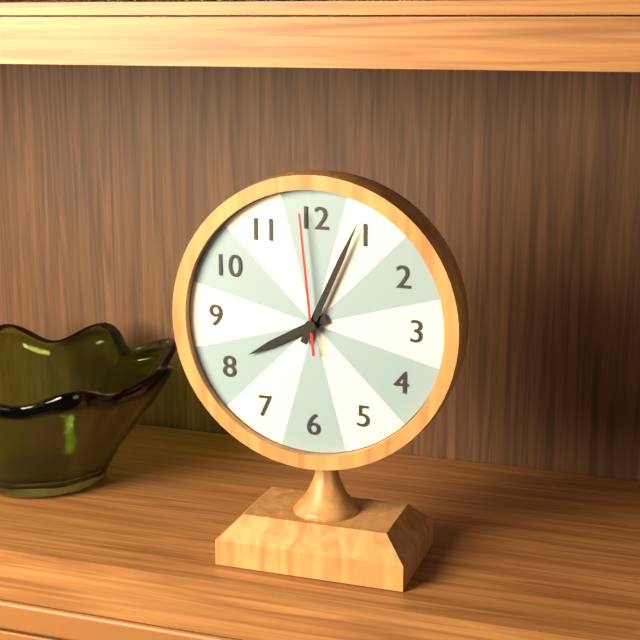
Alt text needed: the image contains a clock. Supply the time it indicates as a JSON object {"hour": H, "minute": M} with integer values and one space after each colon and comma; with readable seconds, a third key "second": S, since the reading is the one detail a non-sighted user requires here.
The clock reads {"hour": 8, "minute": 4, "second": 59}
